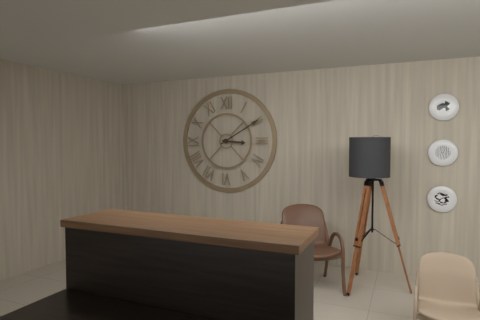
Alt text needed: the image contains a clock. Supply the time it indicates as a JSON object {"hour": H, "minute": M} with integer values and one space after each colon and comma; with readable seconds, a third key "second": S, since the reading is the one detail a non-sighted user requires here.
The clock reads {"hour": 3, "minute": 10}
